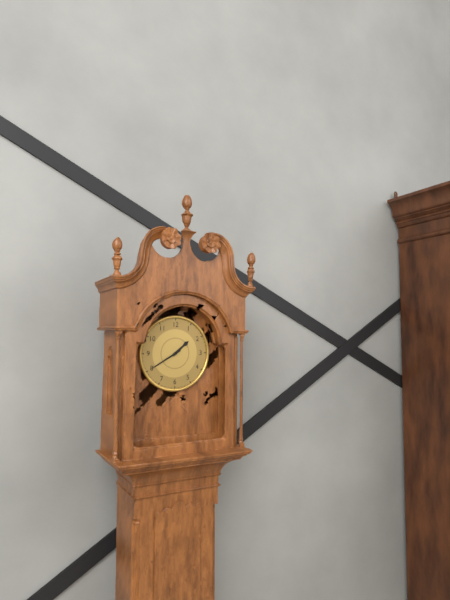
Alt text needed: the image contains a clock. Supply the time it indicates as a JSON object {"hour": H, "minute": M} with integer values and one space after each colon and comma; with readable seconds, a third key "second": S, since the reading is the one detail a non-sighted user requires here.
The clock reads {"hour": 1, "minute": 40}
